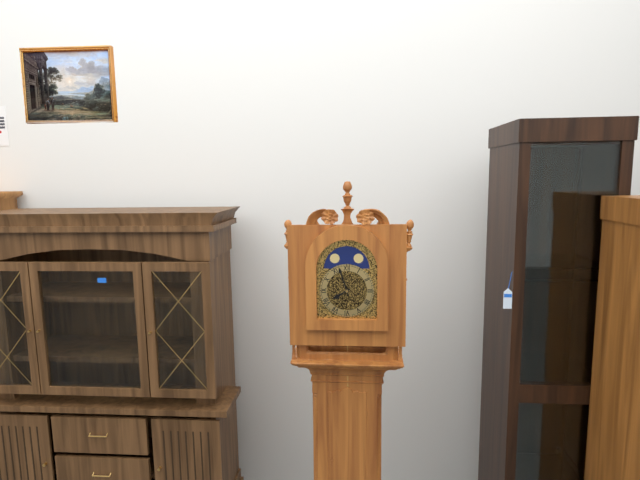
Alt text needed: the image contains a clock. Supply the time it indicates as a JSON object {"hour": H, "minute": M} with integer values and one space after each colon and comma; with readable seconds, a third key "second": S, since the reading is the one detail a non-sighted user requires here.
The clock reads {"hour": 7, "minute": 57}
